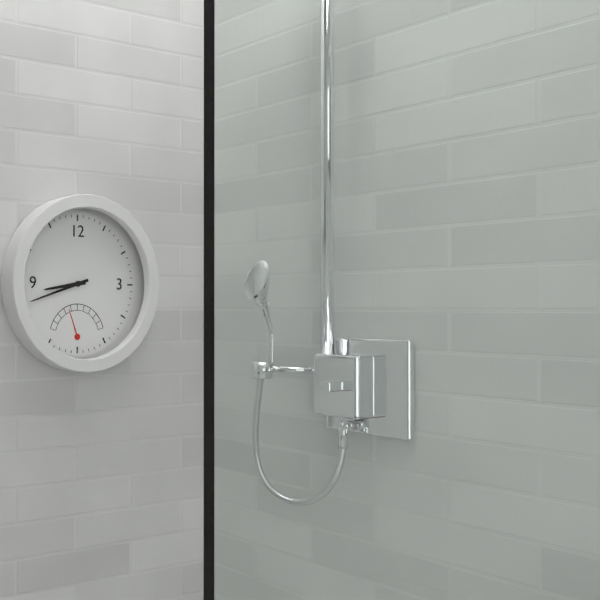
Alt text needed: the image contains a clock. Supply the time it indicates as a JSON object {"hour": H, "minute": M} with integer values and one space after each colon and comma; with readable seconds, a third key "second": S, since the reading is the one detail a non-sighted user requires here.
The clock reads {"hour": 8, "minute": 42}
